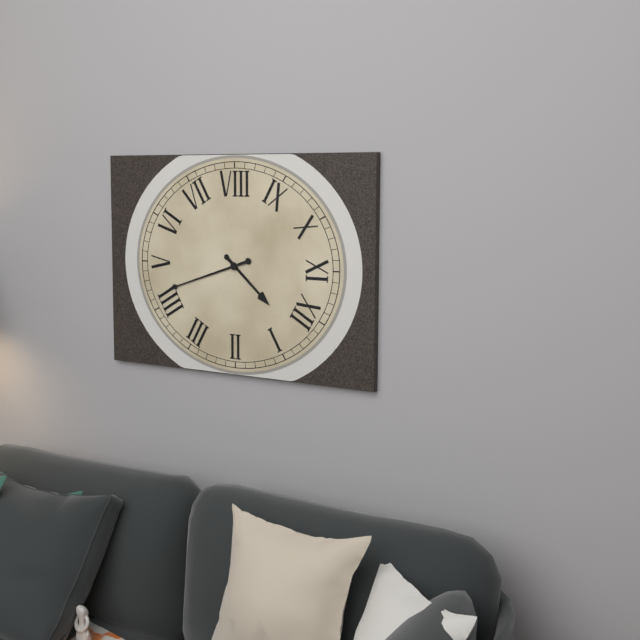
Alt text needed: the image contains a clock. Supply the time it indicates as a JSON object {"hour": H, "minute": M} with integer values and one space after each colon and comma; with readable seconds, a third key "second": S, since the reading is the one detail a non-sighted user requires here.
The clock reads {"hour": 12, "minute": 22}
